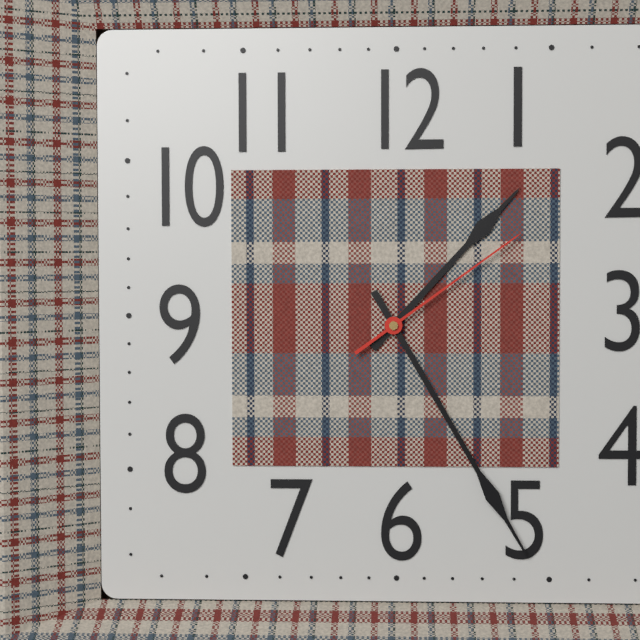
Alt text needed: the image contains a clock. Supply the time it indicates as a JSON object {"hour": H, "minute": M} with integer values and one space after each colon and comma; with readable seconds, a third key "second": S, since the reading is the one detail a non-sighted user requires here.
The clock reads {"hour": 1, "minute": 25, "second": 9}
